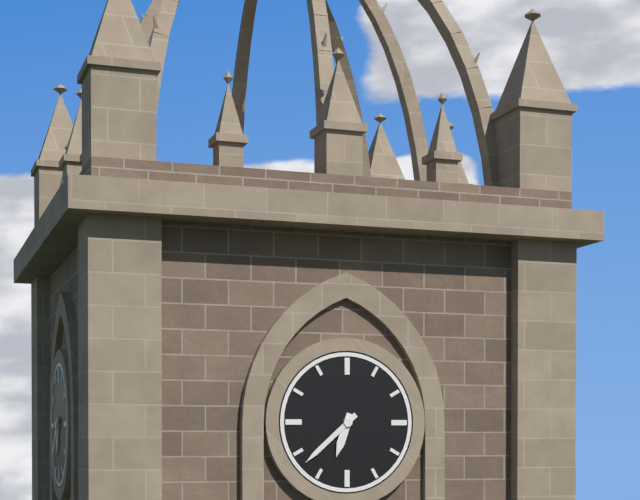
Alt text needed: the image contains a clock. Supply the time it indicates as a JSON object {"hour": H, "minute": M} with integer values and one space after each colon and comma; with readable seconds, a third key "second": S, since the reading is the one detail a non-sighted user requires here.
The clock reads {"hour": 6, "minute": 38}
